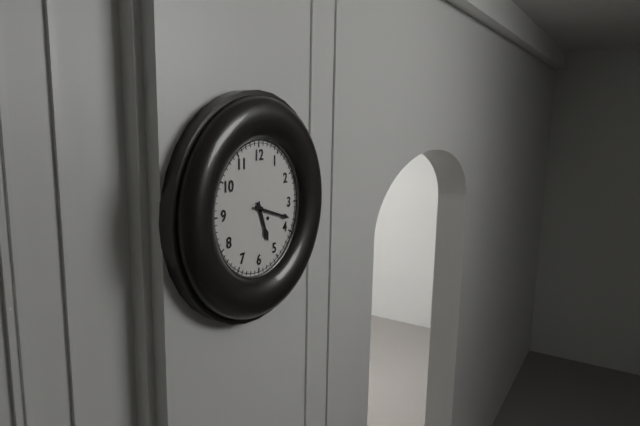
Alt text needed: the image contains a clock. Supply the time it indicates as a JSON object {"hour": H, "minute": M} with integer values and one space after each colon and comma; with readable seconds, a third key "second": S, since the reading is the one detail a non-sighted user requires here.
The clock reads {"hour": 5, "minute": 18}
